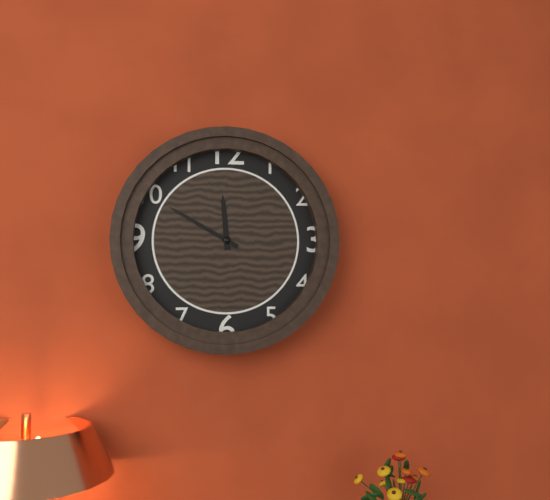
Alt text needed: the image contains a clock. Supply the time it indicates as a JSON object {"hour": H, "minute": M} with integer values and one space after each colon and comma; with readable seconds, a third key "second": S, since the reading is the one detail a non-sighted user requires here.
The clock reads {"hour": 11, "minute": 50}
